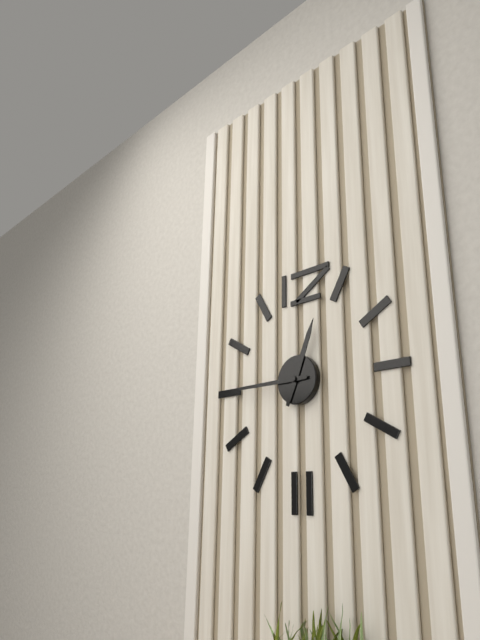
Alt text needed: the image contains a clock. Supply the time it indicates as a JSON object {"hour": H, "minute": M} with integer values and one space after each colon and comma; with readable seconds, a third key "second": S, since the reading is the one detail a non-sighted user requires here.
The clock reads {"hour": 12, "minute": 45}
